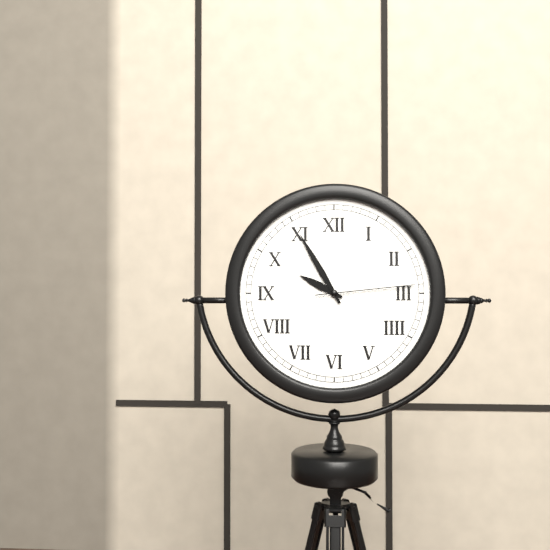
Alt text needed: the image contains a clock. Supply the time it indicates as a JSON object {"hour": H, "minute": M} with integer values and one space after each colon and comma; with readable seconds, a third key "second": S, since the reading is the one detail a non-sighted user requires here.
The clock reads {"hour": 9, "minute": 55, "second": 14}
